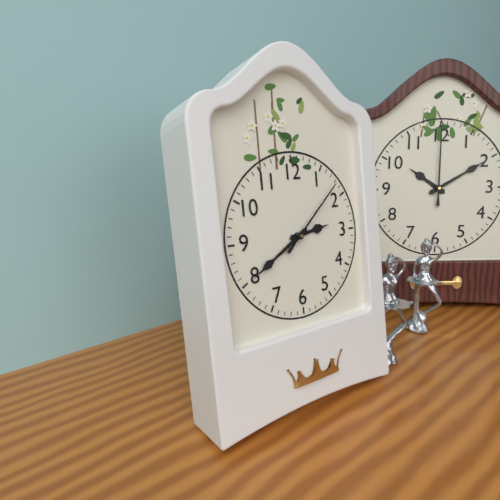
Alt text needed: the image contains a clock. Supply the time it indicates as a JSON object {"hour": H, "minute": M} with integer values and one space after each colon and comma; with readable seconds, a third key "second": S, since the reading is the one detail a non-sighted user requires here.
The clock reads {"hour": 2, "minute": 40, "second": 8}
